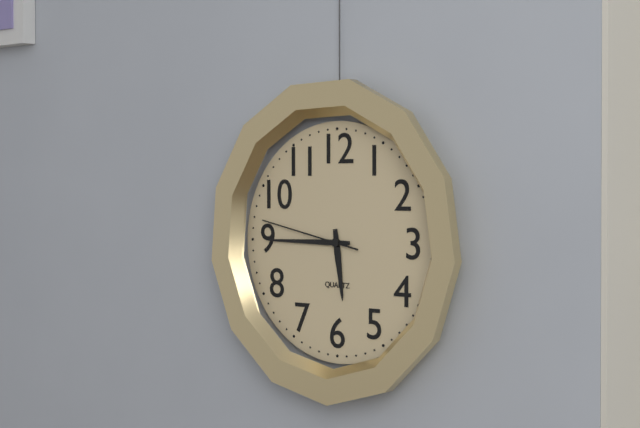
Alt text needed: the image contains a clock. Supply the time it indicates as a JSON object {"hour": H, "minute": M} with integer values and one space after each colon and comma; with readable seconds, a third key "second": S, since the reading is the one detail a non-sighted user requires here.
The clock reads {"hour": 5, "minute": 45, "second": 47}
